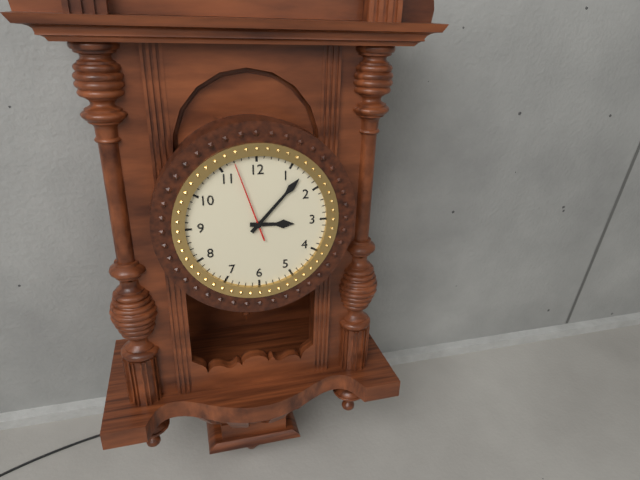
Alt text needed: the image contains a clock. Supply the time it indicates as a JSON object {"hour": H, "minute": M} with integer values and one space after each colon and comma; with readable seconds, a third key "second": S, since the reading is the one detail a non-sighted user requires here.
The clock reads {"hour": 3, "minute": 7, "second": 57}
